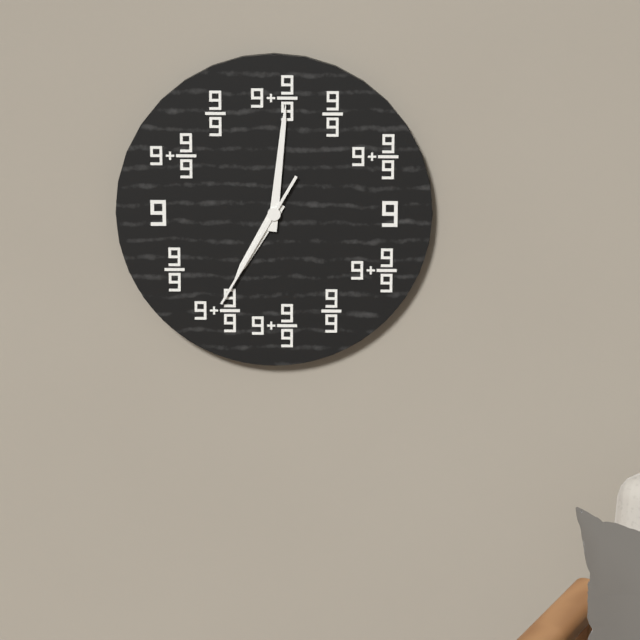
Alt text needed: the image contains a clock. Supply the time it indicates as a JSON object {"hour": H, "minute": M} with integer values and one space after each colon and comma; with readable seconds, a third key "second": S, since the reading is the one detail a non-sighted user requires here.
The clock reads {"hour": 7, "minute": 1, "second": 35}
